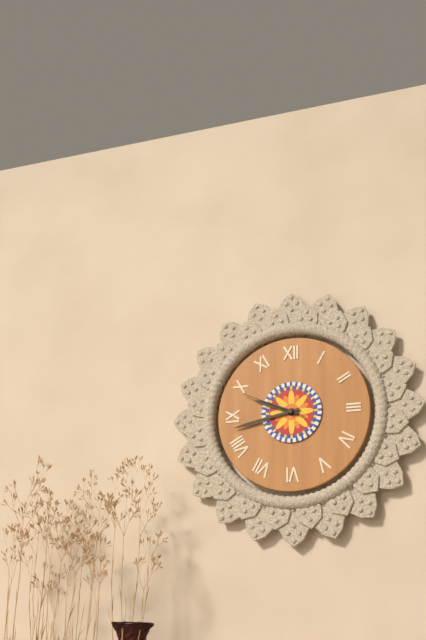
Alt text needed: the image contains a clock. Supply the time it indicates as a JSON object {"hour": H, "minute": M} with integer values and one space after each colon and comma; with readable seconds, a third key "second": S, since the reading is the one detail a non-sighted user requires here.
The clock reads {"hour": 9, "minute": 43, "second": 49}
